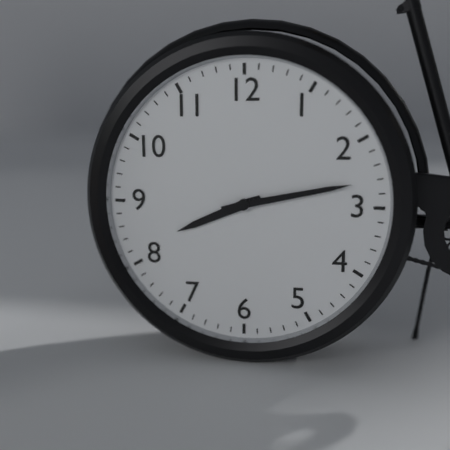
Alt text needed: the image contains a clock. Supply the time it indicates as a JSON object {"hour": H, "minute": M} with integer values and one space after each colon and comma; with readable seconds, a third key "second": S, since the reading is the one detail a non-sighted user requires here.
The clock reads {"hour": 8, "minute": 13}
